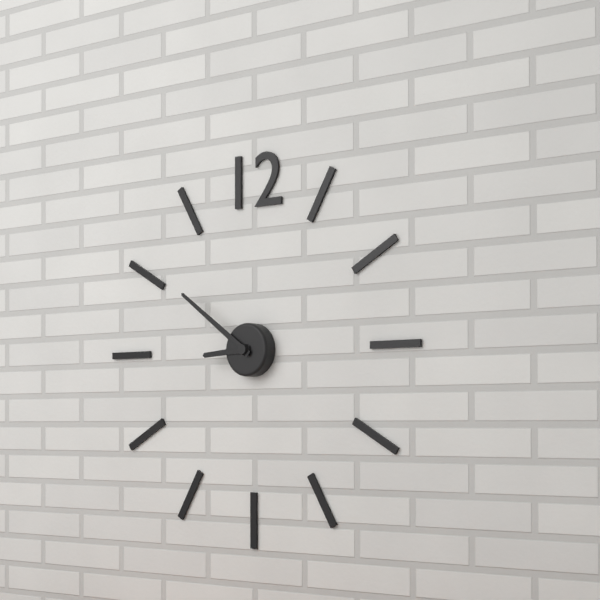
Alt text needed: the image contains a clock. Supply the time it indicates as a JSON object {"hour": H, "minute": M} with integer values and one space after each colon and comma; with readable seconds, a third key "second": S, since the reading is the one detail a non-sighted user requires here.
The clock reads {"hour": 8, "minute": 51}
